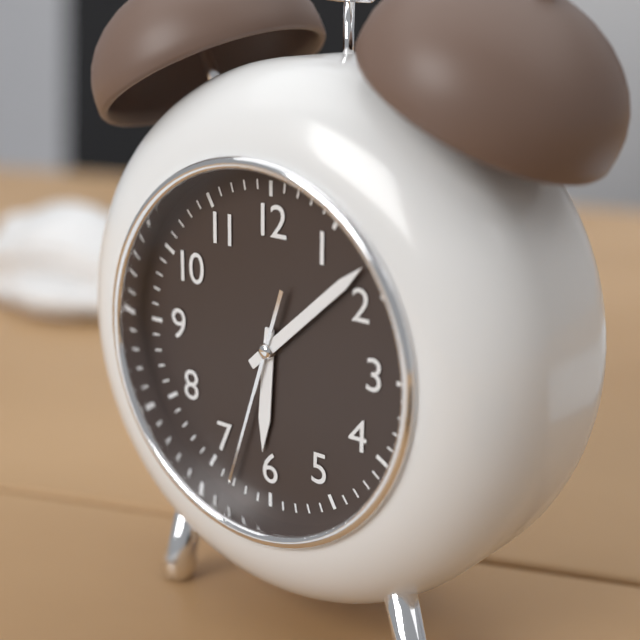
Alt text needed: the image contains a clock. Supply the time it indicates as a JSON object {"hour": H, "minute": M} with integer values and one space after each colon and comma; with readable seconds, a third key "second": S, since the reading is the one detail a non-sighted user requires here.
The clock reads {"hour": 6, "minute": 8, "second": 33}
